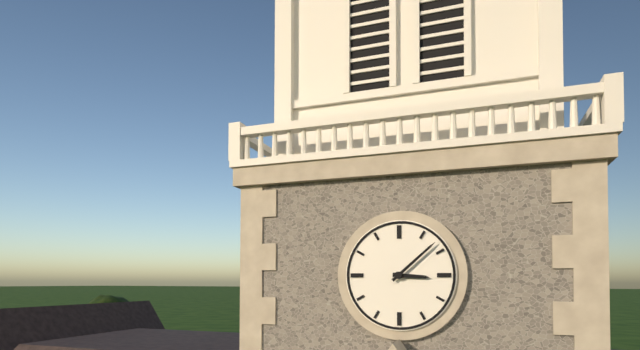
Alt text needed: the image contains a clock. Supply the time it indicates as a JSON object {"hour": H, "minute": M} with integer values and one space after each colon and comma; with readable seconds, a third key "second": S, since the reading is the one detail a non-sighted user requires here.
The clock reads {"hour": 3, "minute": 8}
